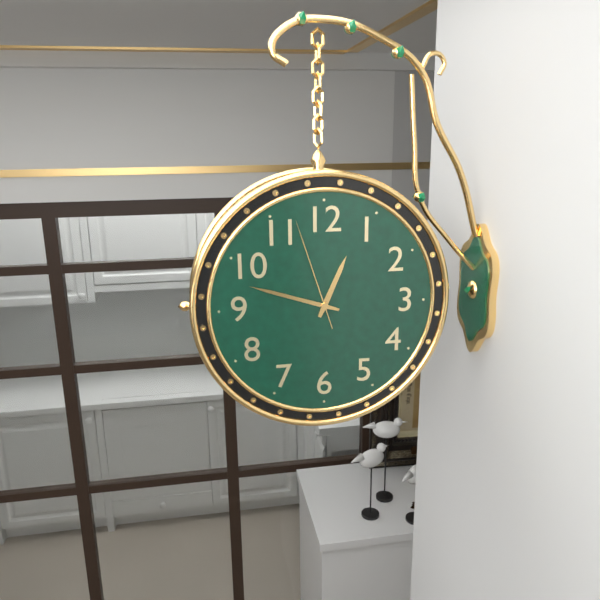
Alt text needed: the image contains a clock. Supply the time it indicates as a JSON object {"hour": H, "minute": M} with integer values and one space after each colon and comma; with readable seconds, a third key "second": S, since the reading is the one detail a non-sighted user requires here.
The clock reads {"hour": 12, "minute": 48, "second": 57}
